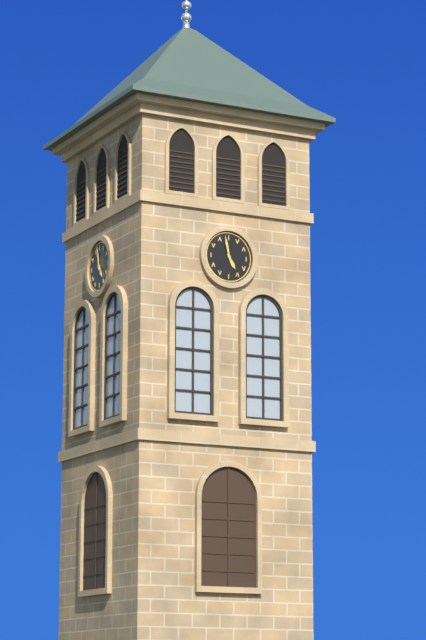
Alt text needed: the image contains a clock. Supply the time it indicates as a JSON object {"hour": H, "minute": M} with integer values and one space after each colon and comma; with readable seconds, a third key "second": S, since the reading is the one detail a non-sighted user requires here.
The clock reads {"hour": 4, "minute": 58}
